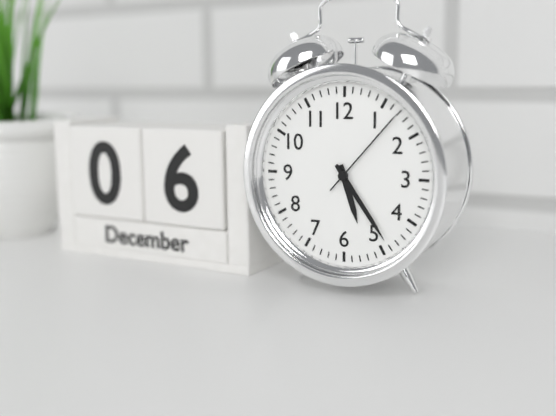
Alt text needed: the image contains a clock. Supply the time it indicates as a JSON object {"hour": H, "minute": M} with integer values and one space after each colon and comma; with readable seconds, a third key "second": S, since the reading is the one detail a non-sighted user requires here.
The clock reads {"hour": 5, "minute": 24, "second": 7}
